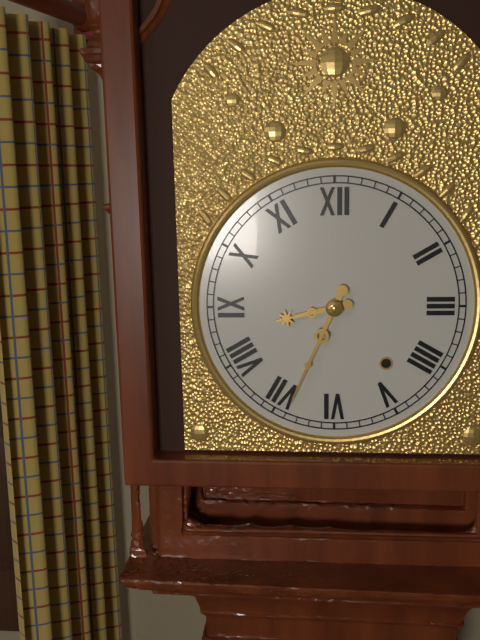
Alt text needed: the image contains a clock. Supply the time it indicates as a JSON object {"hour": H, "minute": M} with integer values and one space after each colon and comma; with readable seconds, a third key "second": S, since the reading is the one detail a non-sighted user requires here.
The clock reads {"hour": 8, "minute": 34}
